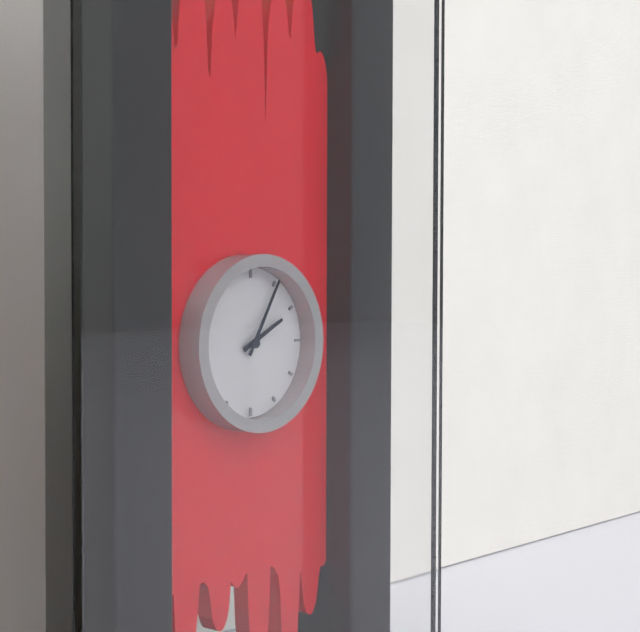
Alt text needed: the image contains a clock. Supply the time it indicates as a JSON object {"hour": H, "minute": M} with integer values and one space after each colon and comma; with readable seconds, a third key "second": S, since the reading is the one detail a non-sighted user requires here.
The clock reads {"hour": 2, "minute": 5}
